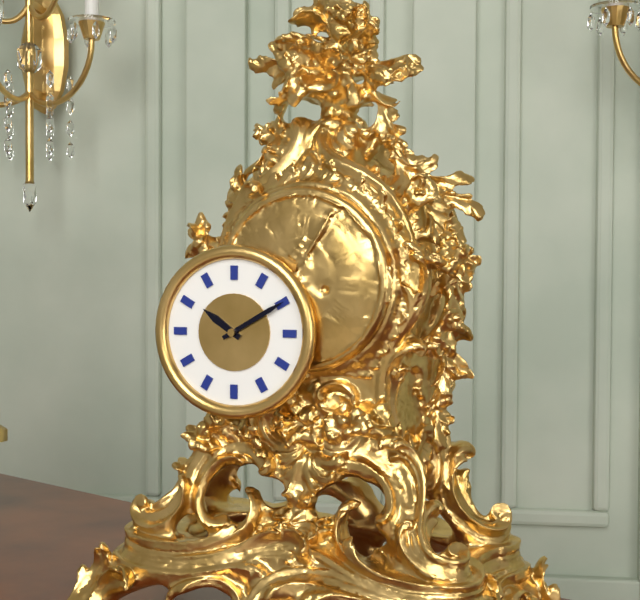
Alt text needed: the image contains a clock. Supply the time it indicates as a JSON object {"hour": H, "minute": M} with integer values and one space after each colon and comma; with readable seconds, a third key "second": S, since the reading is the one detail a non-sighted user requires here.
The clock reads {"hour": 10, "minute": 10}
